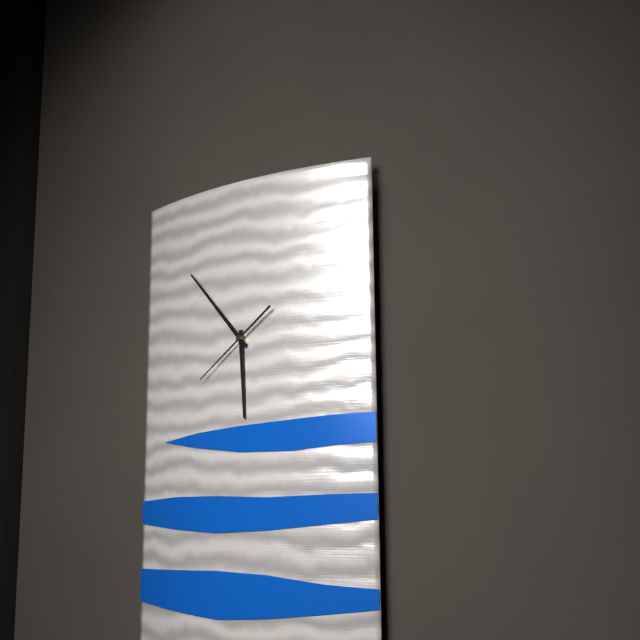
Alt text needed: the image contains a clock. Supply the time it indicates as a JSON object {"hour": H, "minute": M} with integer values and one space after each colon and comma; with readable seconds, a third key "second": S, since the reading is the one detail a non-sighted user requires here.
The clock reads {"hour": 5, "minute": 53, "second": 39}
